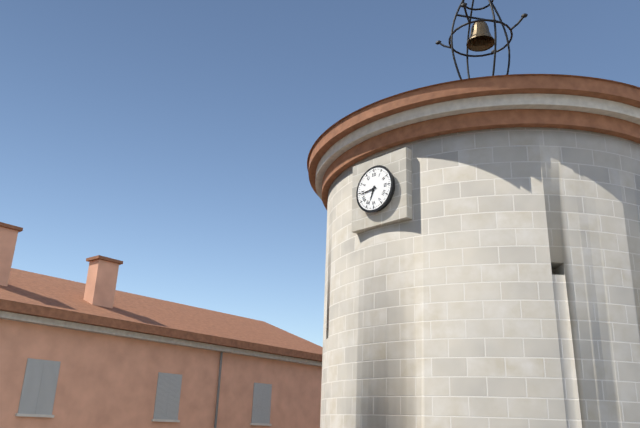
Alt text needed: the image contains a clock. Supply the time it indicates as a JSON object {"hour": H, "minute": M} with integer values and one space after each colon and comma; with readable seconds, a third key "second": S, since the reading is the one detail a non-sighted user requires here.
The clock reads {"hour": 6, "minute": 44}
